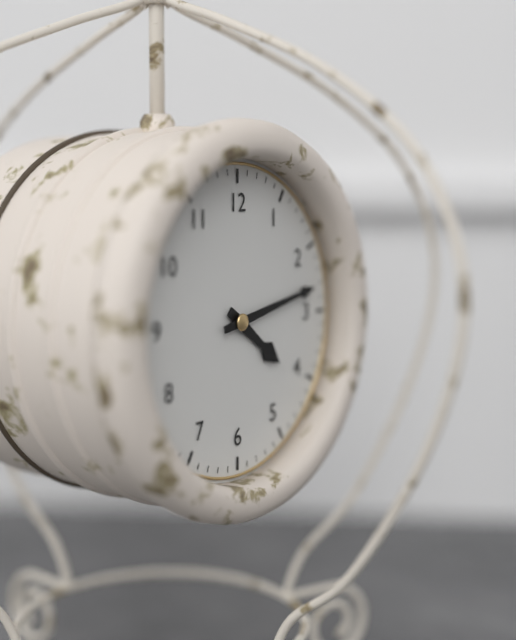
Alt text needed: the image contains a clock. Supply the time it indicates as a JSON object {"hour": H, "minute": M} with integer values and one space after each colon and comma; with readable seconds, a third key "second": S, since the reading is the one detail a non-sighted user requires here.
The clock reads {"hour": 4, "minute": 13}
